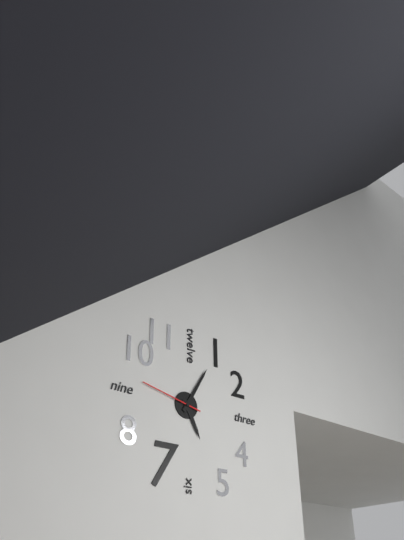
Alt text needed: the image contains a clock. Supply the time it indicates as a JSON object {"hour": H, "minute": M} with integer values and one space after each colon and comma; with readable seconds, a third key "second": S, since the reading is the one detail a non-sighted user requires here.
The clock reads {"hour": 5, "minute": 5, "second": 47}
